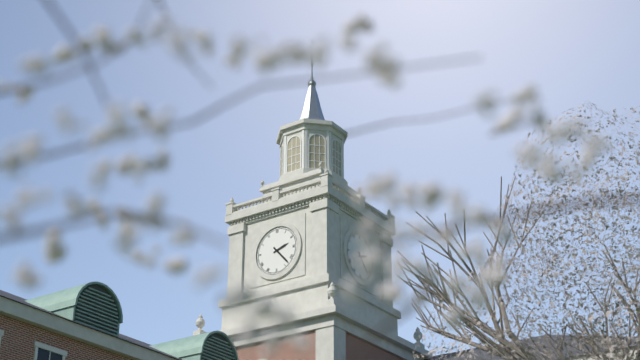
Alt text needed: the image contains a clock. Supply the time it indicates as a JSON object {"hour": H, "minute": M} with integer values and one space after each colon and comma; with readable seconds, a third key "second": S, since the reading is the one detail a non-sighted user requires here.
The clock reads {"hour": 2, "minute": 23}
